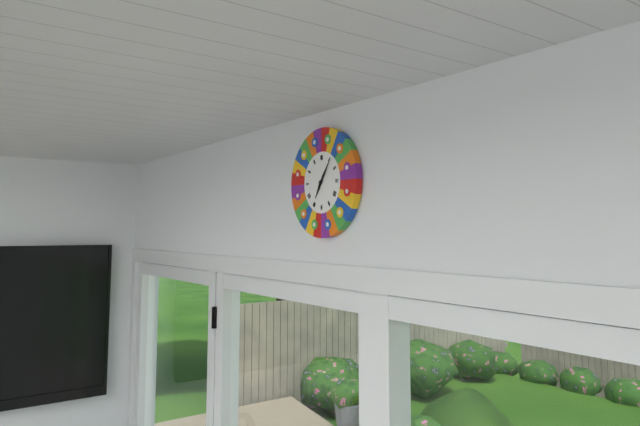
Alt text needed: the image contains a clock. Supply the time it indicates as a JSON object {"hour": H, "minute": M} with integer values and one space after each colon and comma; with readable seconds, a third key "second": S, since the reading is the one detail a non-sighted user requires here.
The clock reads {"hour": 7, "minute": 6}
